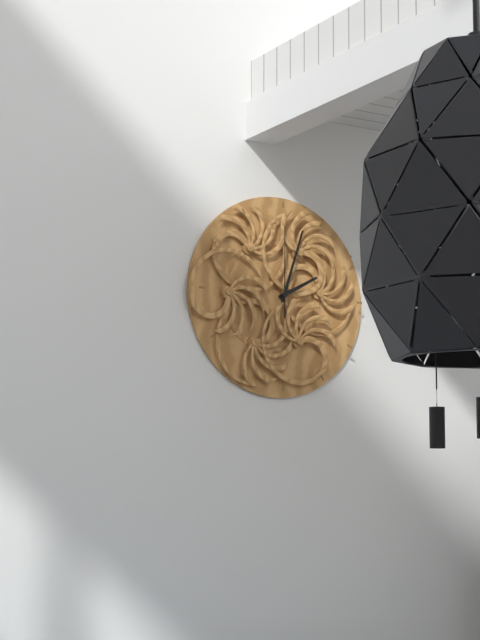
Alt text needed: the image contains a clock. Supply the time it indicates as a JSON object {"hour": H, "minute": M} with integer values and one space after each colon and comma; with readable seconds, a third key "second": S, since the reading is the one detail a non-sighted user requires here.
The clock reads {"hour": 2, "minute": 3, "second": 0}
